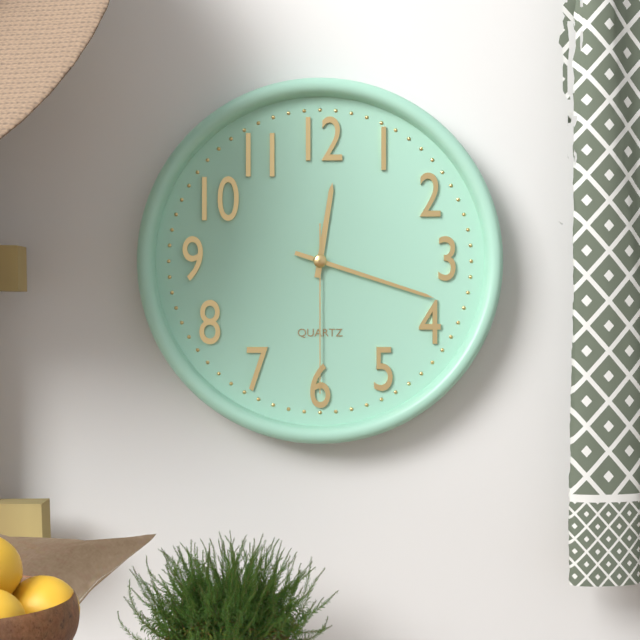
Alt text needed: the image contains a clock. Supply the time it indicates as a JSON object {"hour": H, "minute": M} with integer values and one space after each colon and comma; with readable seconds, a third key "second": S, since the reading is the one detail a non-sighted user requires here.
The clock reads {"hour": 12, "minute": 18, "second": 30}
